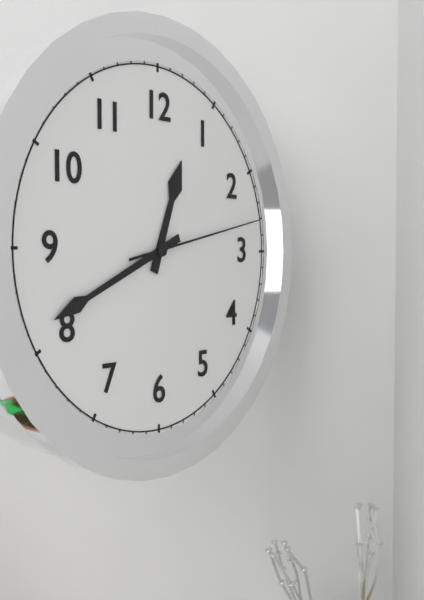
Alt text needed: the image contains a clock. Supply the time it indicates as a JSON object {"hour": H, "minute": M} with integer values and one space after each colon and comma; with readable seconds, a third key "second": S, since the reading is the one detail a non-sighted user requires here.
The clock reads {"hour": 12, "minute": 41, "second": 13}
